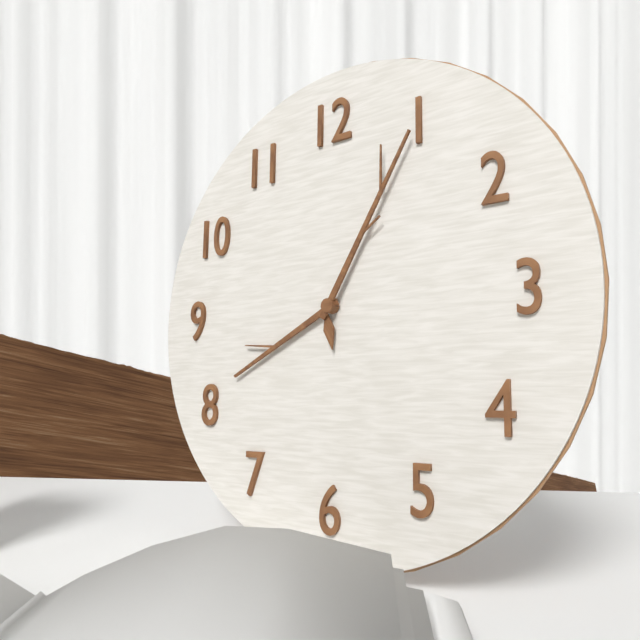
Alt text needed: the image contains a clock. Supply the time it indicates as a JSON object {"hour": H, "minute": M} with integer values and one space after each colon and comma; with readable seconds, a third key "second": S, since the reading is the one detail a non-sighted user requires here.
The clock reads {"hour": 8, "minute": 5}
